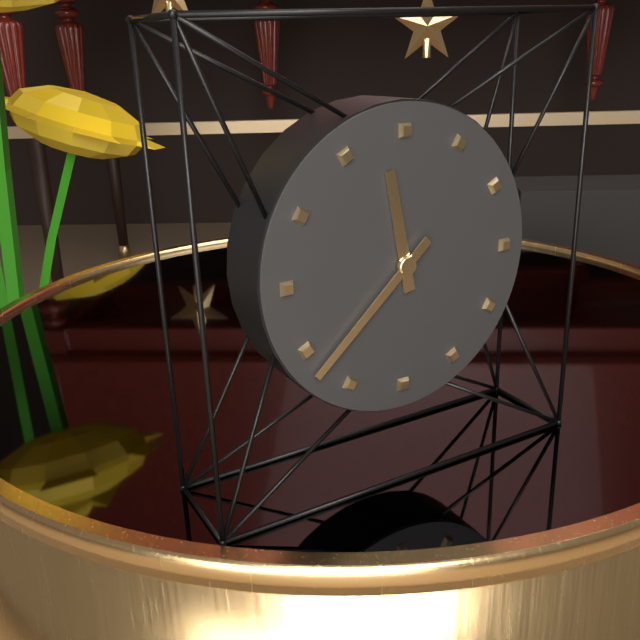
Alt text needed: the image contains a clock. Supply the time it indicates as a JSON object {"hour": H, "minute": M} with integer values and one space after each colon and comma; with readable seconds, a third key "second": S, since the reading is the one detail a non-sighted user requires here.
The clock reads {"hour": 11, "minute": 38}
